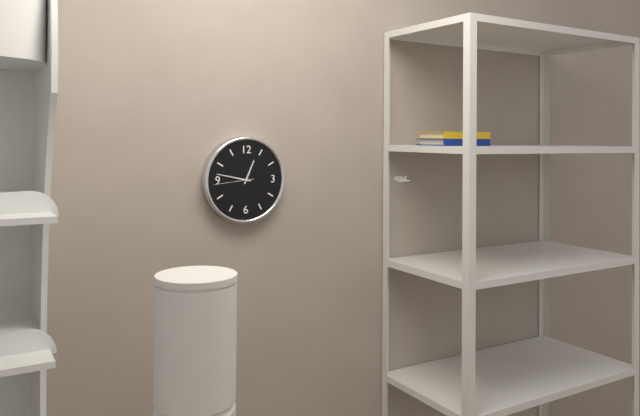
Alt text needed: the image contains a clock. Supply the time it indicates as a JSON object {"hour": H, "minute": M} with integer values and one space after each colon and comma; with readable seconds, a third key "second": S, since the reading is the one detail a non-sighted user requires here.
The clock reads {"hour": 12, "minute": 47}
